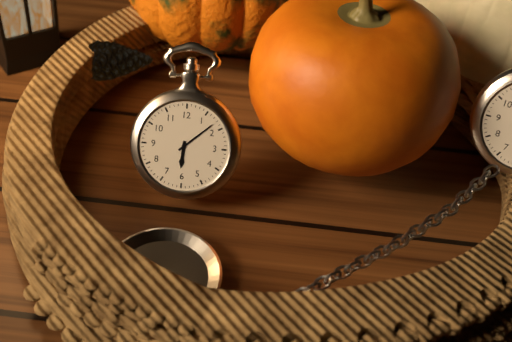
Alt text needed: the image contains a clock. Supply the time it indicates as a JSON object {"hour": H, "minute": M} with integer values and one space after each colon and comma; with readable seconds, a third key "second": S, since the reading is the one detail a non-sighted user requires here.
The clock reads {"hour": 6, "minute": 8}
